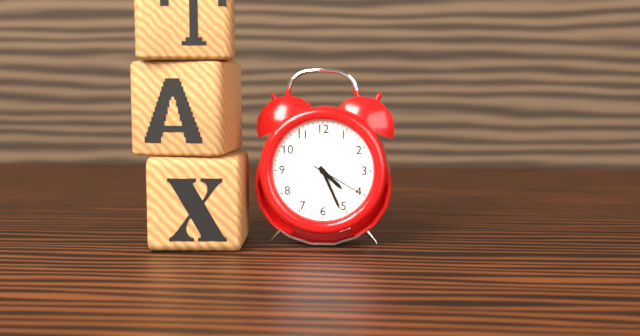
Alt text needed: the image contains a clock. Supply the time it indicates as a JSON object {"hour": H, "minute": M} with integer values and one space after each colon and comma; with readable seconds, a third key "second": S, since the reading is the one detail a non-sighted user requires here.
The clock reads {"hour": 4, "minute": 26, "second": 20}
